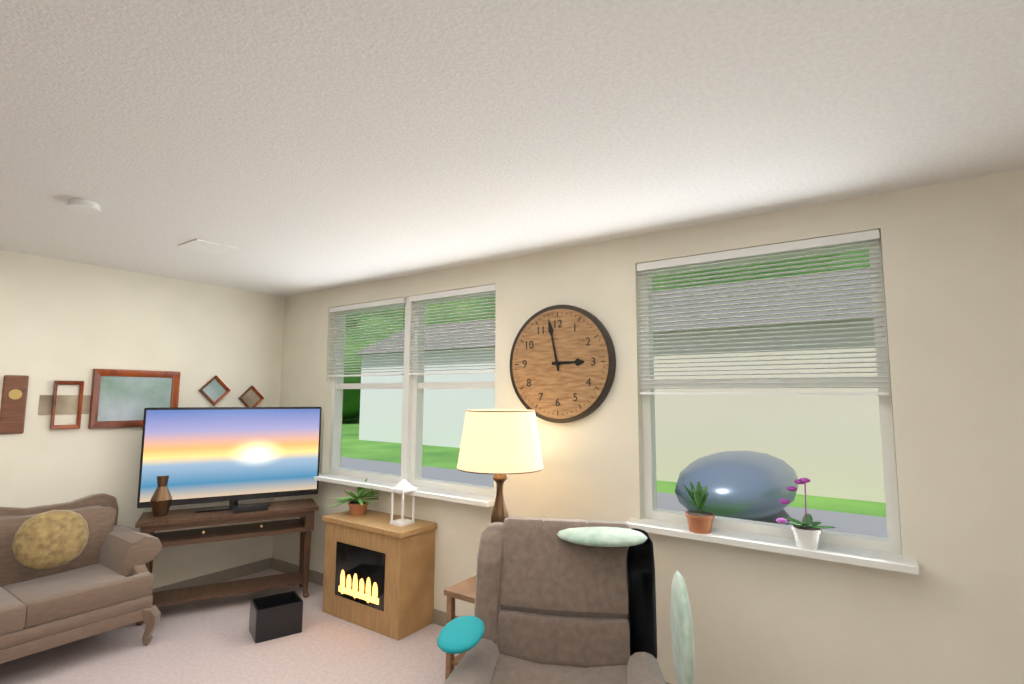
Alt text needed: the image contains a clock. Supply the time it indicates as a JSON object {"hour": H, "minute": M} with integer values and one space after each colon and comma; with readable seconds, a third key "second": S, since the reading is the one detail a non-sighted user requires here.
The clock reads {"hour": 2, "minute": 58}
